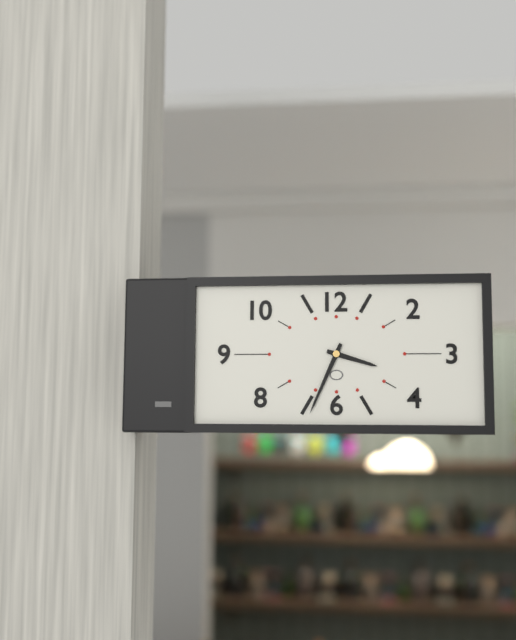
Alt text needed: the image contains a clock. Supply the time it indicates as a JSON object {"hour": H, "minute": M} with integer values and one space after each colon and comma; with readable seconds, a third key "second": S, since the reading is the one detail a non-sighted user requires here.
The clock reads {"hour": 3, "minute": 34}
